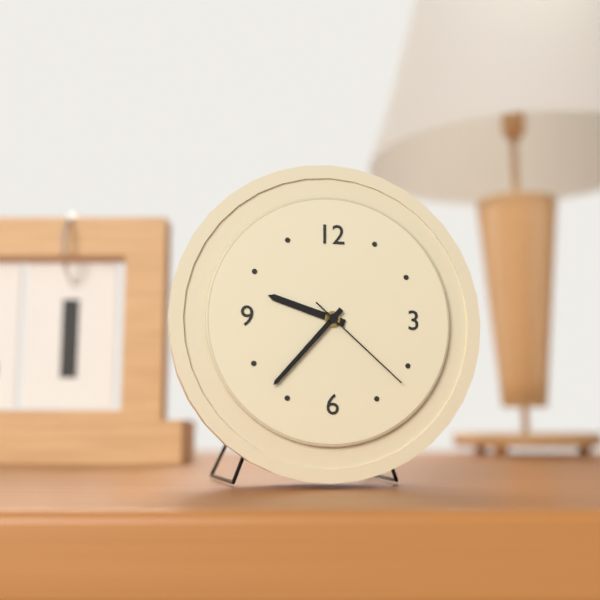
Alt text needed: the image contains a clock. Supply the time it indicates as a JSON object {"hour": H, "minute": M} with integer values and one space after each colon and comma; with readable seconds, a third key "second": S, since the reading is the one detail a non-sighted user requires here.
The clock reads {"hour": 9, "minute": 37, "second": 22}
